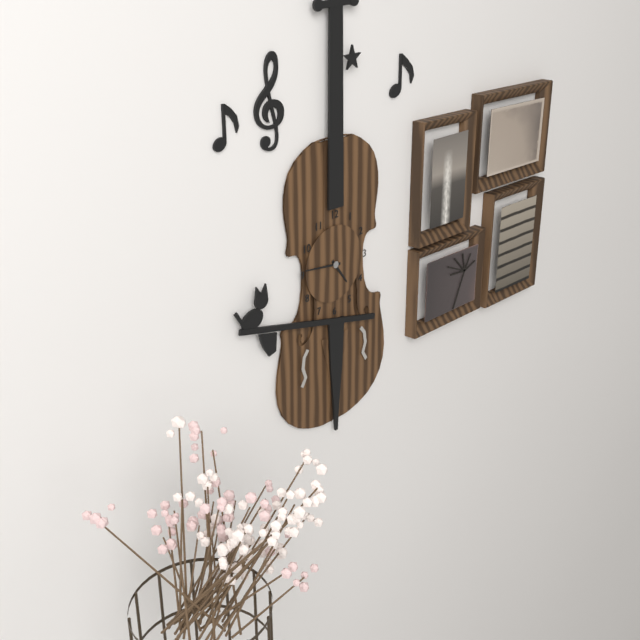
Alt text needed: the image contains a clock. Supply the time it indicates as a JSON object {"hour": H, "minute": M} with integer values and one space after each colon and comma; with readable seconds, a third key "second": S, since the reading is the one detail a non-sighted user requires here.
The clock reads {"hour": 4, "minute": 46}
